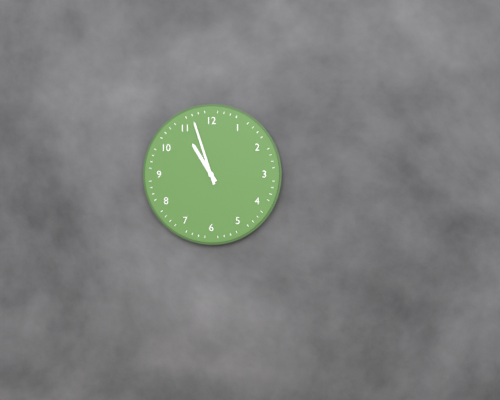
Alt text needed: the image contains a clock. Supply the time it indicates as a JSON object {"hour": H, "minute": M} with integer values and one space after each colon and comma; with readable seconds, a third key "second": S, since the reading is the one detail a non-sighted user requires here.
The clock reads {"hour": 10, "minute": 57}
